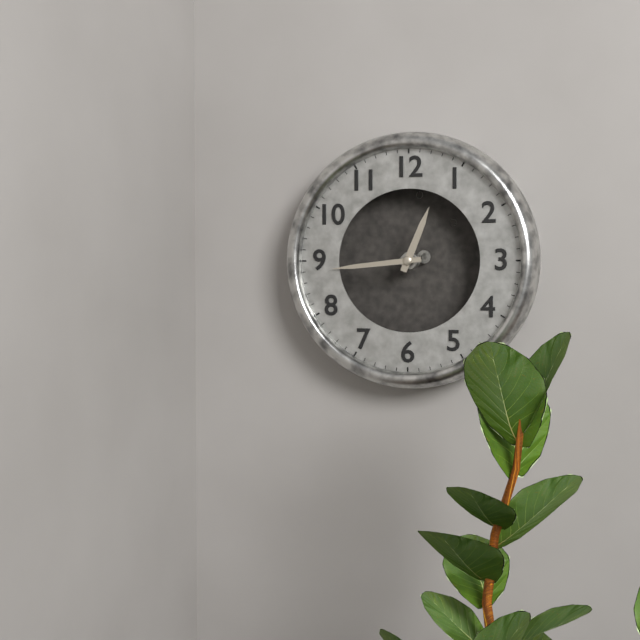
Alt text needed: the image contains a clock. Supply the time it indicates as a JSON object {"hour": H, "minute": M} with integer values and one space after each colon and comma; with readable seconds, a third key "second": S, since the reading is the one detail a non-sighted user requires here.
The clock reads {"hour": 12, "minute": 44}
